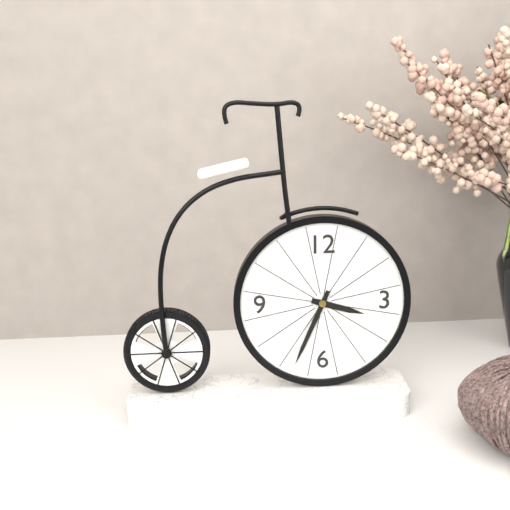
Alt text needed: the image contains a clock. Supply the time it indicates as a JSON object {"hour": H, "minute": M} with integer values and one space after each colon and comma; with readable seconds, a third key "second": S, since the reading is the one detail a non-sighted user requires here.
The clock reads {"hour": 3, "minute": 34}
